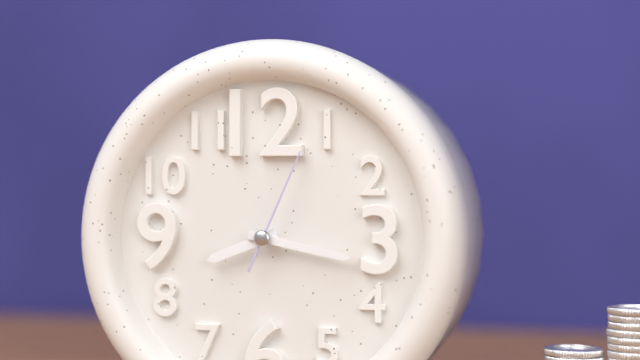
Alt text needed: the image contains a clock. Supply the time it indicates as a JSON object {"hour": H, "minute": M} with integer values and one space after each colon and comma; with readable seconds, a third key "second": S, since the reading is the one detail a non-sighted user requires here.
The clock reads {"hour": 8, "minute": 17, "second": 4}
